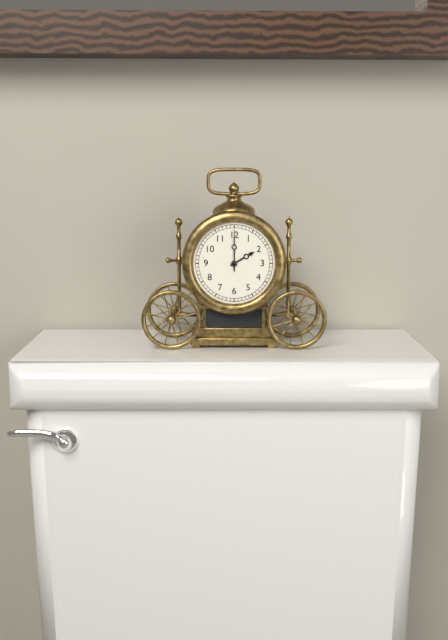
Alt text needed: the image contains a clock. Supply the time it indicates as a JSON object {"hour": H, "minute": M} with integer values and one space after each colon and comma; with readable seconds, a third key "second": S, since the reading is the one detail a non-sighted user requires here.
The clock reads {"hour": 2, "minute": 0}
